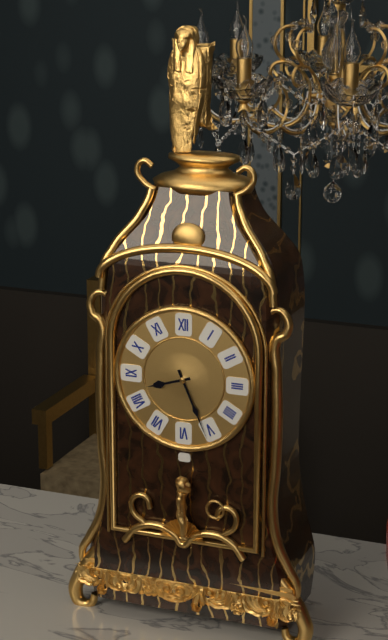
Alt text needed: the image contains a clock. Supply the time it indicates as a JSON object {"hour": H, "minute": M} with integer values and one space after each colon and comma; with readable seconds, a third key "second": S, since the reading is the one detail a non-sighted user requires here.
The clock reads {"hour": 8, "minute": 26}
